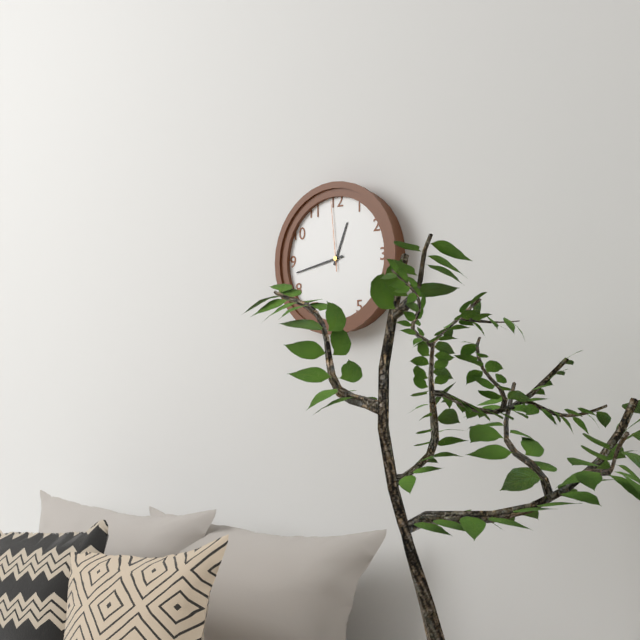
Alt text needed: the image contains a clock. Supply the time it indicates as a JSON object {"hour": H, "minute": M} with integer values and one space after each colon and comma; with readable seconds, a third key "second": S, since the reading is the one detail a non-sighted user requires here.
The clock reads {"hour": 12, "minute": 43, "second": 59}
